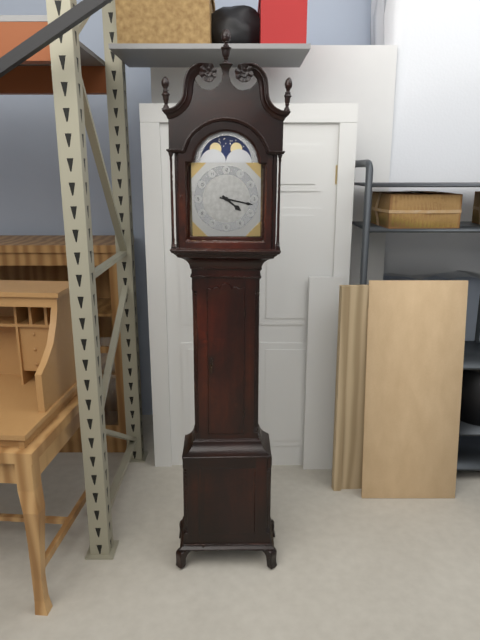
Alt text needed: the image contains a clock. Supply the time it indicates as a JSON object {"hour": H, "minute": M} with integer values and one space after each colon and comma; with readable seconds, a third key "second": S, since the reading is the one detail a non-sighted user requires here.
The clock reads {"hour": 4, "minute": 17}
